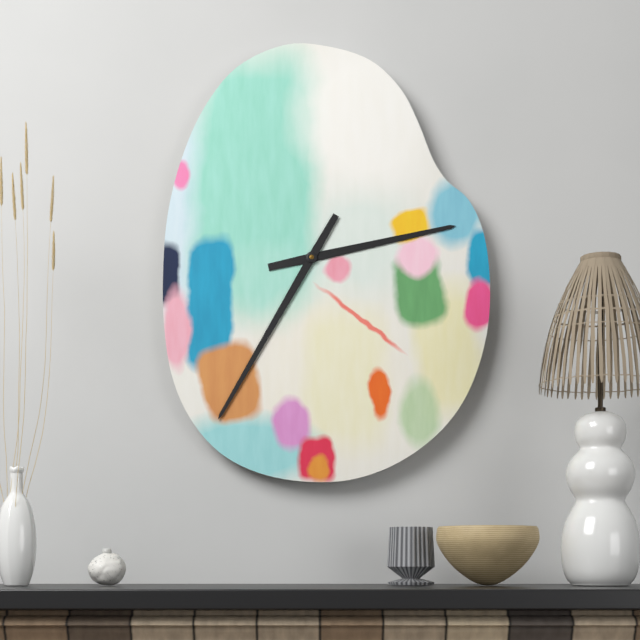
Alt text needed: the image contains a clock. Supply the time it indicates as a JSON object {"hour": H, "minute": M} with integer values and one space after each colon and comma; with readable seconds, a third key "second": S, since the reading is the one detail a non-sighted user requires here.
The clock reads {"hour": 2, "minute": 35}
